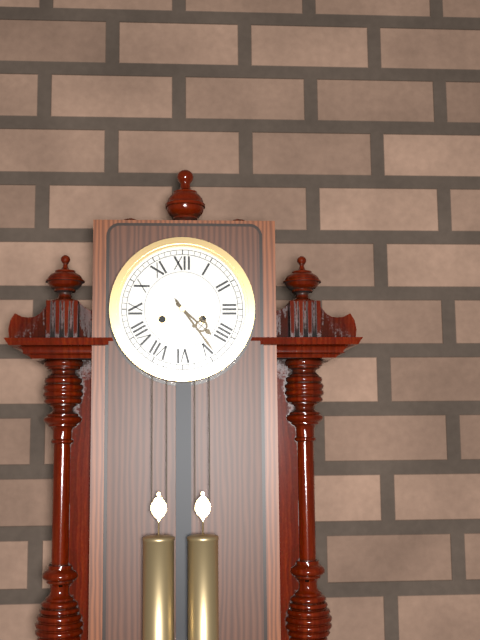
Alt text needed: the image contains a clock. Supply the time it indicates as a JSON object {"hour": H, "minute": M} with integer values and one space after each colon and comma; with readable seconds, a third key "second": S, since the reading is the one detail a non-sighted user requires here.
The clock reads {"hour": 4, "minute": 24}
